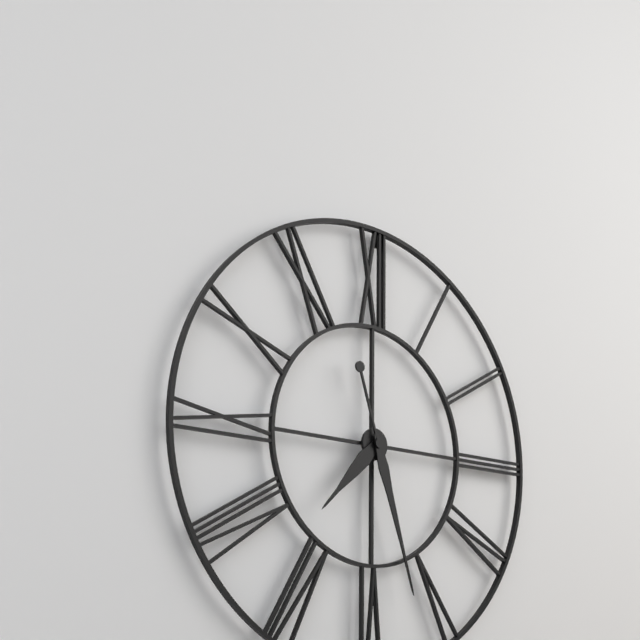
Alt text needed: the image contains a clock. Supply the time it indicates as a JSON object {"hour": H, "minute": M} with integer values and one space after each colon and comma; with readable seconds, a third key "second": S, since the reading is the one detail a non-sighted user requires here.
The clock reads {"hour": 7, "minute": 27}
